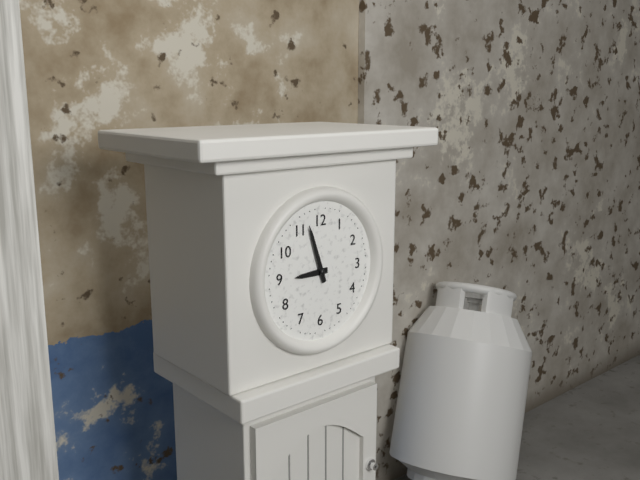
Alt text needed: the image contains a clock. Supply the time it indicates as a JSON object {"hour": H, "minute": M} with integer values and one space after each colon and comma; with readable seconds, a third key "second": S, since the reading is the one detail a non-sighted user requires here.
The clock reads {"hour": 8, "minute": 57}
